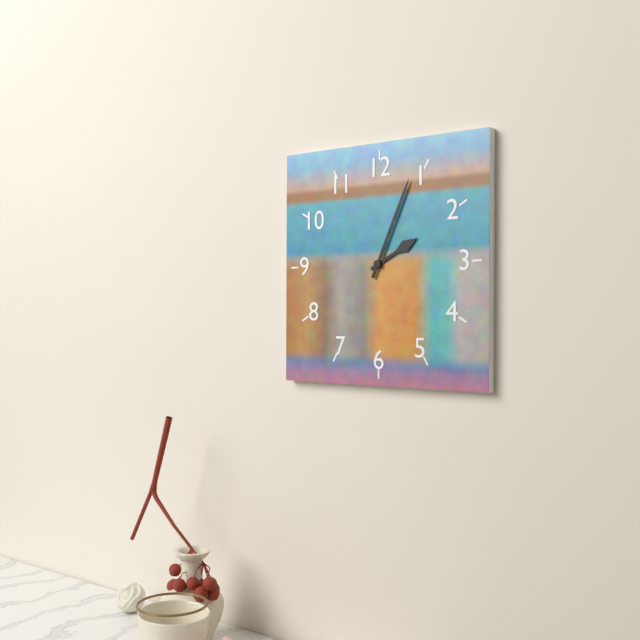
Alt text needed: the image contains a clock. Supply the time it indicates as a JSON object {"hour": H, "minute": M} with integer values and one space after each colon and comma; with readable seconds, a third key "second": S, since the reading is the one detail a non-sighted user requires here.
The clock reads {"hour": 2, "minute": 4}
